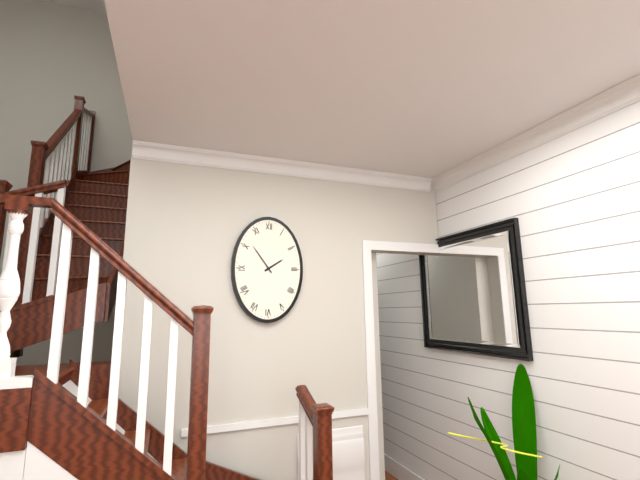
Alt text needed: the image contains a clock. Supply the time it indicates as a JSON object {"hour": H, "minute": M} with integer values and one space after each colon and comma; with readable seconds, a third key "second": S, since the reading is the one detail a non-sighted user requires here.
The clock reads {"hour": 1, "minute": 54}
